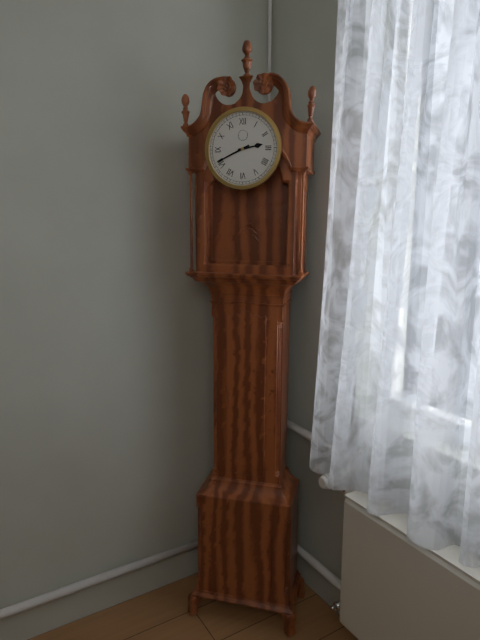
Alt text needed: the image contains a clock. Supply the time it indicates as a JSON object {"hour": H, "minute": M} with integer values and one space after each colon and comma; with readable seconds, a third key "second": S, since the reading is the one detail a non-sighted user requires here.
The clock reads {"hour": 2, "minute": 41}
